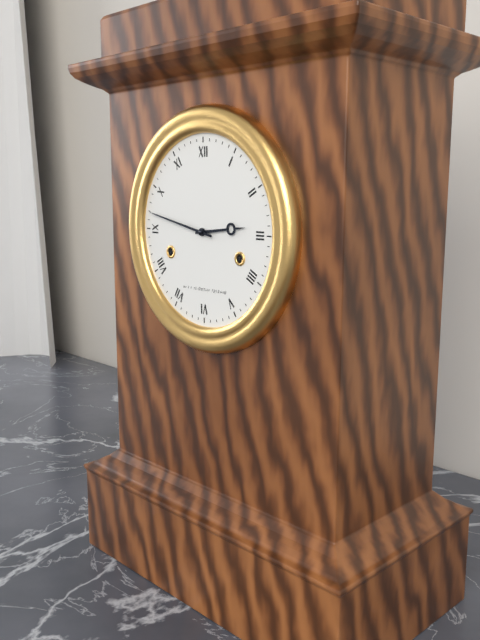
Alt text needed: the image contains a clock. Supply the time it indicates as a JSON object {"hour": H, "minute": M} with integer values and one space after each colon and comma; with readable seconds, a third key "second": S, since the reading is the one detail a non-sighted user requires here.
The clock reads {"hour": 2, "minute": 47}
